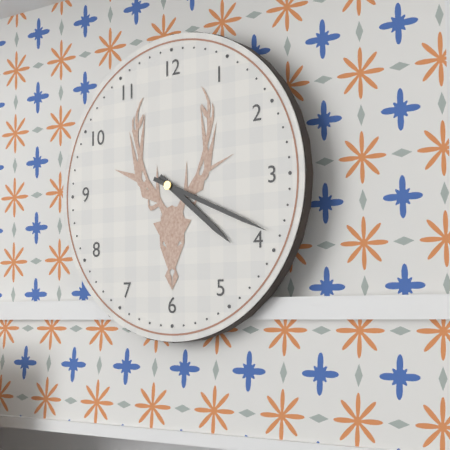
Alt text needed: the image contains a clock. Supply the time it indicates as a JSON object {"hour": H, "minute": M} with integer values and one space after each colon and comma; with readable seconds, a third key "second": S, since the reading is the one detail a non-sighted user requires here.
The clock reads {"hour": 4, "minute": 19}
